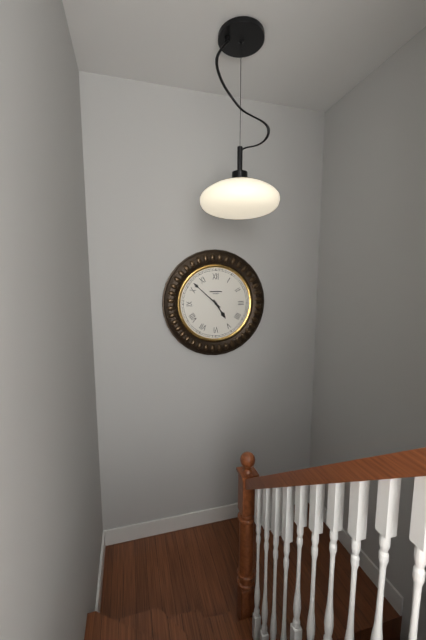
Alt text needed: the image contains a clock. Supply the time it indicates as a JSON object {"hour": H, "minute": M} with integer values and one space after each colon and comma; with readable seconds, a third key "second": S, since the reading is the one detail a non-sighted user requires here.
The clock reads {"hour": 4, "minute": 52}
